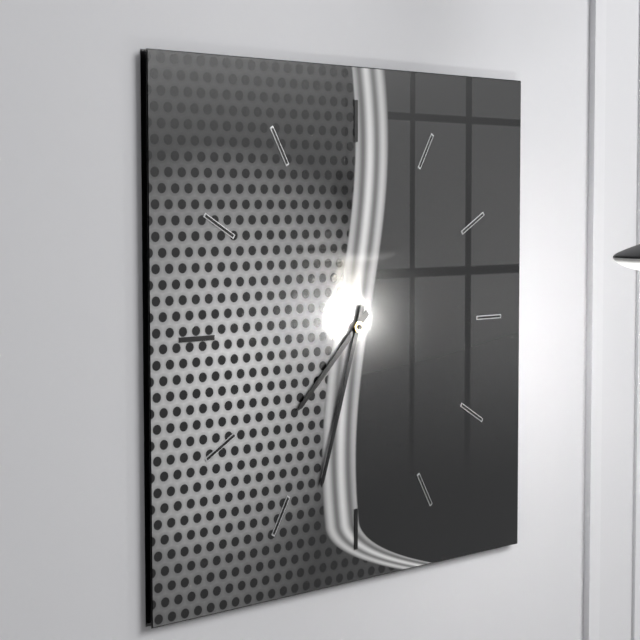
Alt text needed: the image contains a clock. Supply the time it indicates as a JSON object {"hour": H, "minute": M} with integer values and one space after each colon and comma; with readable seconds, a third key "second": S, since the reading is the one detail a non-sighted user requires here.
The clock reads {"hour": 7, "minute": 33}
